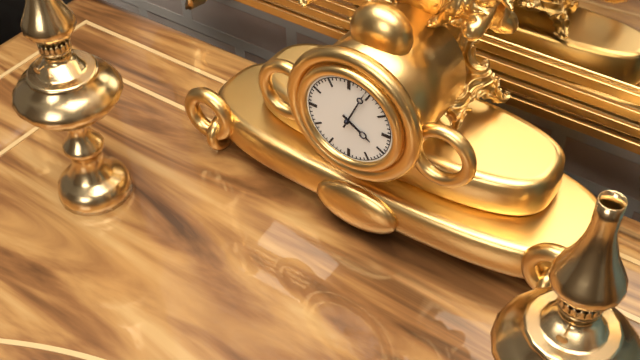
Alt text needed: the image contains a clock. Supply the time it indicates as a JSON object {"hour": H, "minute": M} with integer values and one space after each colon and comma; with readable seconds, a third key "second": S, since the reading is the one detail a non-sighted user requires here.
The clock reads {"hour": 4, "minute": 4}
